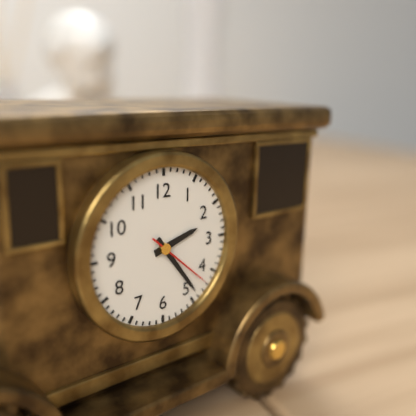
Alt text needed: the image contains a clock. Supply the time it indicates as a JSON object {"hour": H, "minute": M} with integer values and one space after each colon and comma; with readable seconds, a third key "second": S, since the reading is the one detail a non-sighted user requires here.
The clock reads {"hour": 2, "minute": 24, "second": 22}
